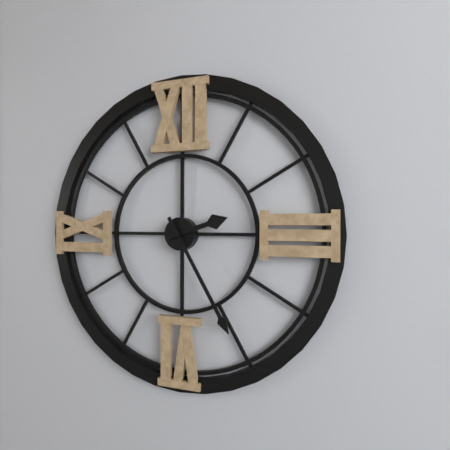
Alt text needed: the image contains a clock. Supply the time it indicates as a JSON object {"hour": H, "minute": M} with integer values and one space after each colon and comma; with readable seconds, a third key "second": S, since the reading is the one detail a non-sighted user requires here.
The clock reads {"hour": 2, "minute": 25}
